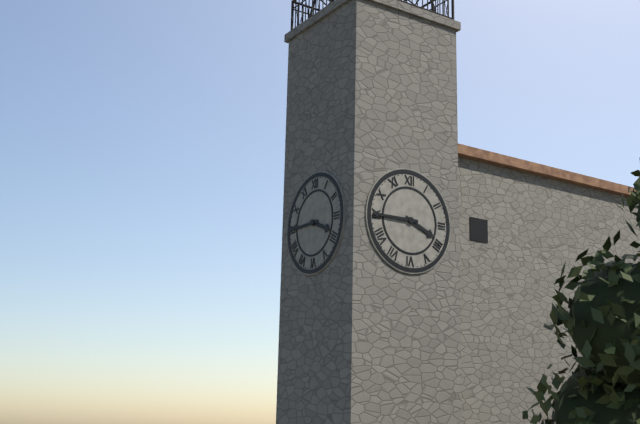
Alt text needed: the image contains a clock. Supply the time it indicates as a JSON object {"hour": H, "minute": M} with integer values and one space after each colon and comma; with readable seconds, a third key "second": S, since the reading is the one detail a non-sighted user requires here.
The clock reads {"hour": 3, "minute": 45}
